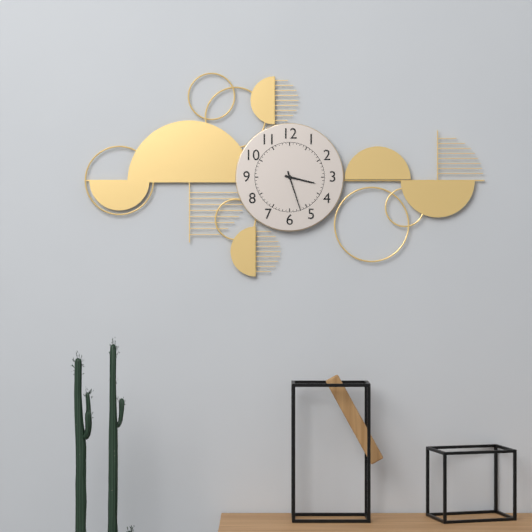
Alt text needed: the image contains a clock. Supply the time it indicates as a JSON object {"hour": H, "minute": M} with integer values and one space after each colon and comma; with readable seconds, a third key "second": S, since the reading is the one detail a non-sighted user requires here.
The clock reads {"hour": 3, "minute": 27}
